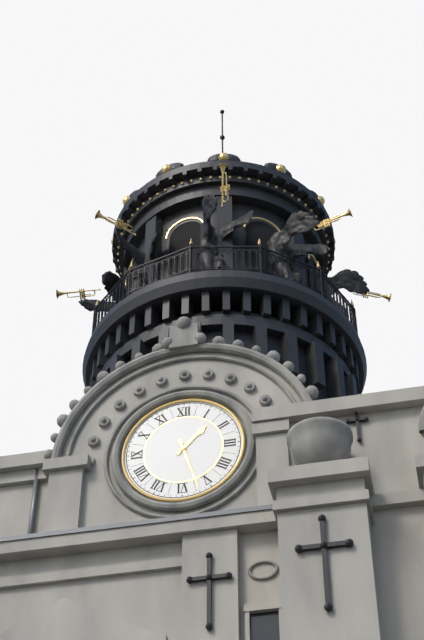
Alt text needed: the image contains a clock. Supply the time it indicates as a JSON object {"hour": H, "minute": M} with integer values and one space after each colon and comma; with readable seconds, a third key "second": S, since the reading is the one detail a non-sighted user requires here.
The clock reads {"hour": 1, "minute": 27}
